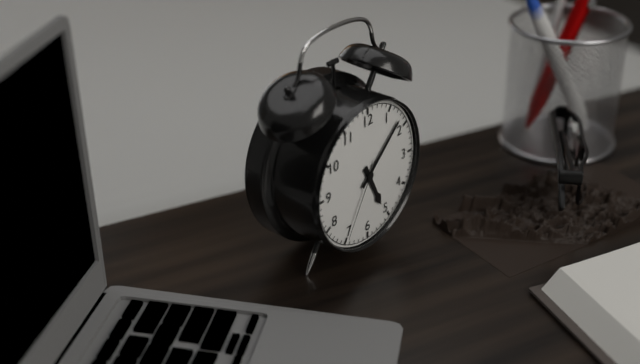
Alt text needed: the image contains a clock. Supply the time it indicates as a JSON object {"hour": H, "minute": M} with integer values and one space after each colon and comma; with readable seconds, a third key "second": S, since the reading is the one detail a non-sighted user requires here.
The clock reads {"hour": 5, "minute": 8, "second": 35}
